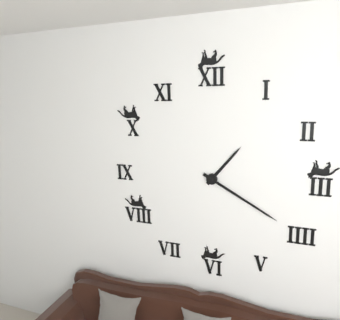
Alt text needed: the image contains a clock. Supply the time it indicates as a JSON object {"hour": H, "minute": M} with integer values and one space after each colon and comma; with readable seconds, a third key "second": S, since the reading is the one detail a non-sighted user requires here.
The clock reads {"hour": 1, "minute": 20}
